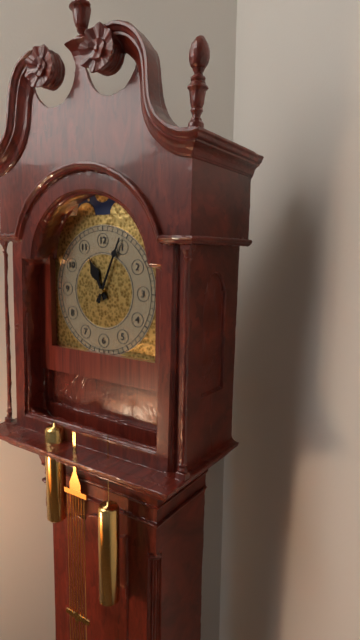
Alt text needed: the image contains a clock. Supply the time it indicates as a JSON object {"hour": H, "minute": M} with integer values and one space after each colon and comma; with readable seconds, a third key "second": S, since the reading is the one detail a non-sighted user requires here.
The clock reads {"hour": 11, "minute": 4}
